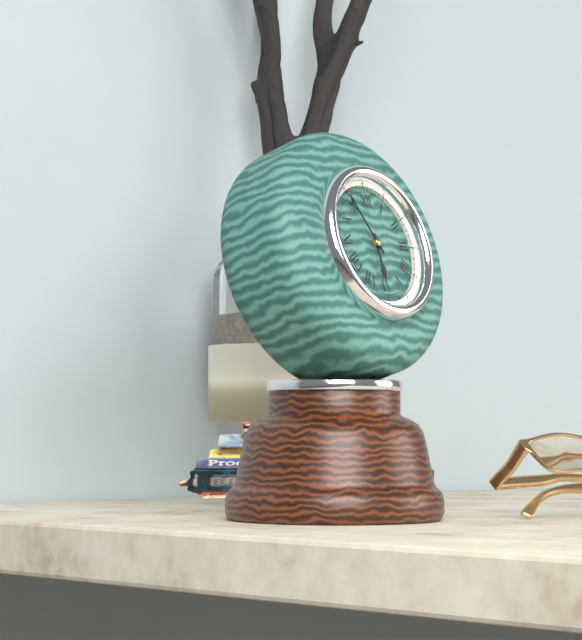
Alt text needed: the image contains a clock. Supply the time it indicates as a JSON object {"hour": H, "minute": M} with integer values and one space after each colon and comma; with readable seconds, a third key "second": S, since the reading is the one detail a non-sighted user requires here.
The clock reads {"hour": 5, "minute": 55}
